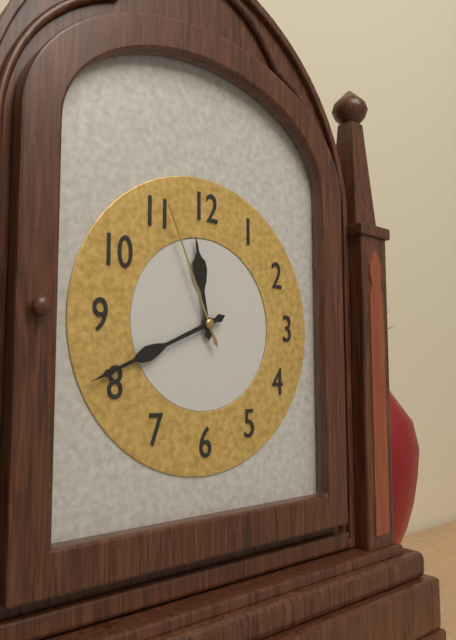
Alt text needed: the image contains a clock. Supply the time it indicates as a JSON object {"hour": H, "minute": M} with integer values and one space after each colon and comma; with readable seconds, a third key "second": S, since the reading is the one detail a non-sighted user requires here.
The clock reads {"hour": 11, "minute": 41, "second": 56}
